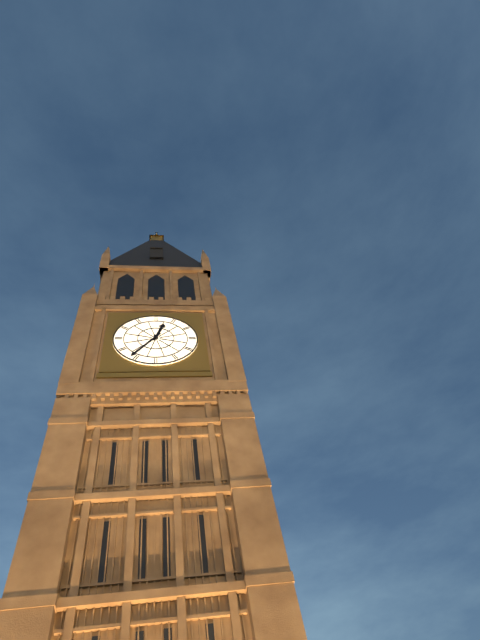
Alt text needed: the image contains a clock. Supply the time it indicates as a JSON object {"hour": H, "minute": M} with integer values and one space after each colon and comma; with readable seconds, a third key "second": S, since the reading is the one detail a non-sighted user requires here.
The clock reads {"hour": 12, "minute": 36}
